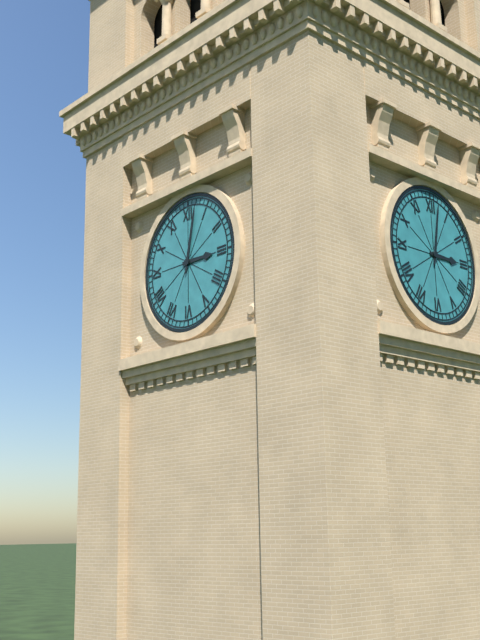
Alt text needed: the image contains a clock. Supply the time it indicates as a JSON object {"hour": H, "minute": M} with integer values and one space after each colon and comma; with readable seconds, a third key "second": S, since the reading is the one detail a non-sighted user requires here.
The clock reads {"hour": 3, "minute": 2}
